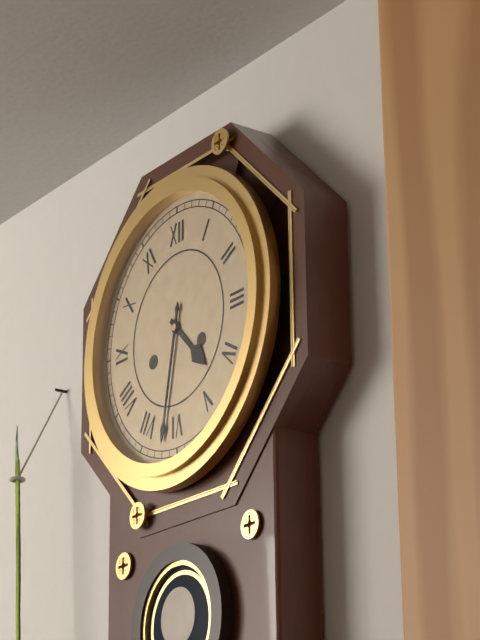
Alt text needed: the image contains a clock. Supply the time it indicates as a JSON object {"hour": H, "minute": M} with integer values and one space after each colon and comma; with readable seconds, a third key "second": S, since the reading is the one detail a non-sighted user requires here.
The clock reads {"hour": 4, "minute": 32}
